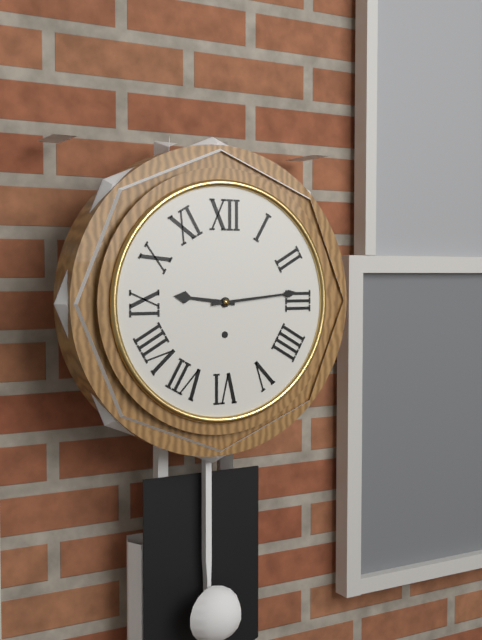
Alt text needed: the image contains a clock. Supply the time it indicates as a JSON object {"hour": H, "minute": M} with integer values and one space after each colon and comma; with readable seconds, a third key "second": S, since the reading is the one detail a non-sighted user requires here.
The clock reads {"hour": 9, "minute": 14}
